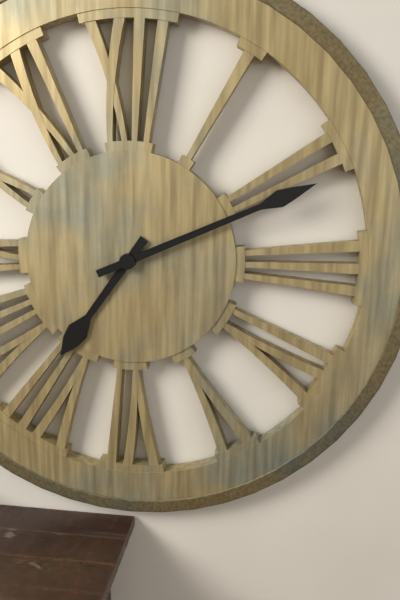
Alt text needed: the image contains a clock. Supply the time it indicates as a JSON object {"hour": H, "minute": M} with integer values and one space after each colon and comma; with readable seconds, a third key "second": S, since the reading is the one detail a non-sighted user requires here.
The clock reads {"hour": 7, "minute": 11}
